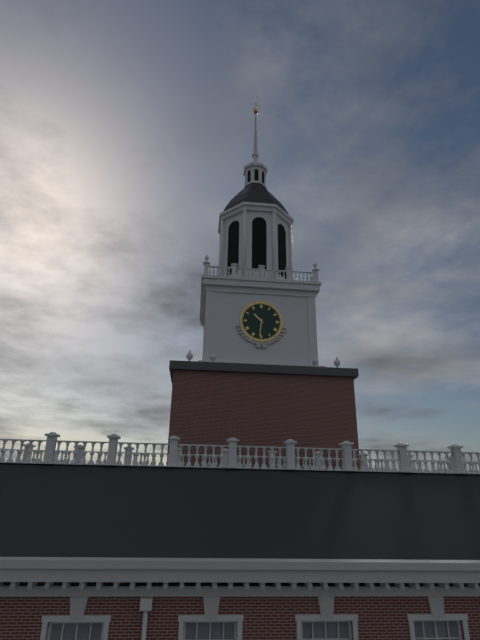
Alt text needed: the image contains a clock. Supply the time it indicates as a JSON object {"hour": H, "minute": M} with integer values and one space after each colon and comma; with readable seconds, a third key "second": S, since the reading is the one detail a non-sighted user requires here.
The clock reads {"hour": 10, "minute": 31}
